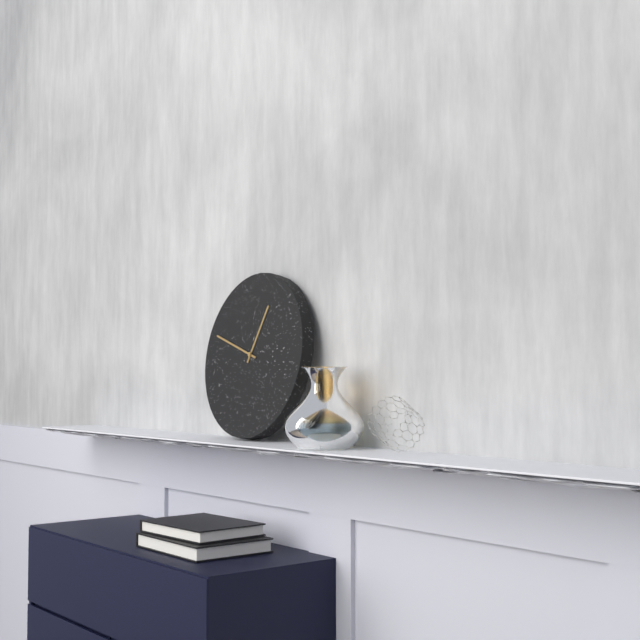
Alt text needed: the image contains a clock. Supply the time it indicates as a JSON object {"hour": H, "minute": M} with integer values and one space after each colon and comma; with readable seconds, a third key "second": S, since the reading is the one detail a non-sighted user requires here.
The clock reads {"hour": 12, "minute": 48}
